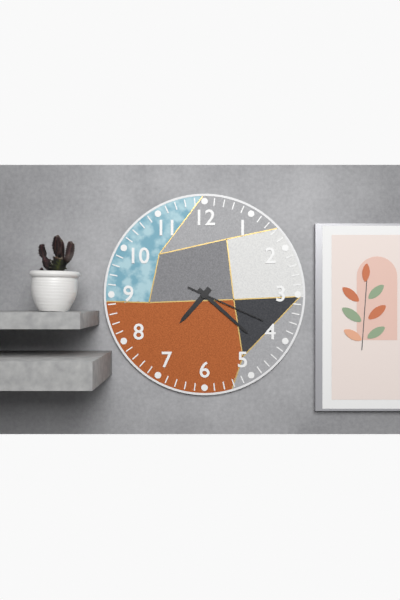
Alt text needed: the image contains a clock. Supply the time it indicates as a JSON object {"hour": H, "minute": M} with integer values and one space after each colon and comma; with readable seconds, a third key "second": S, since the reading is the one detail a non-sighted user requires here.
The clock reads {"hour": 7, "minute": 22, "second": 19}
